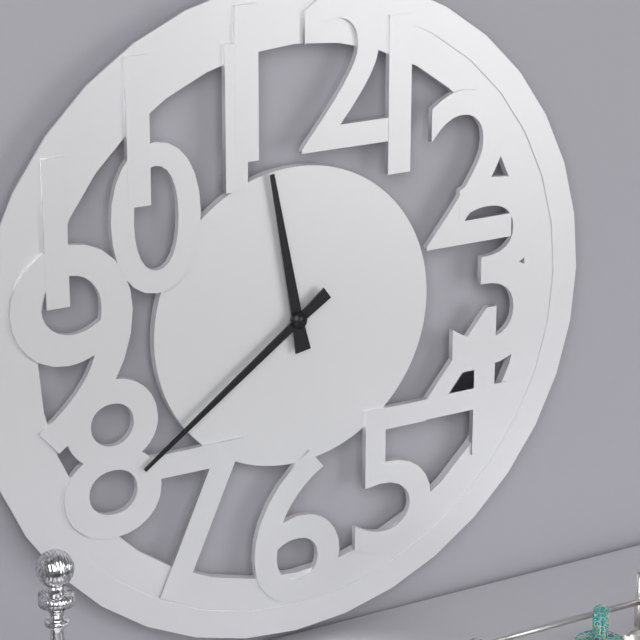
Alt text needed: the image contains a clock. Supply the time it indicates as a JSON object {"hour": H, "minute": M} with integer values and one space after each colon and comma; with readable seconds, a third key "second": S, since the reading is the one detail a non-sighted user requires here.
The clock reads {"hour": 11, "minute": 39}
